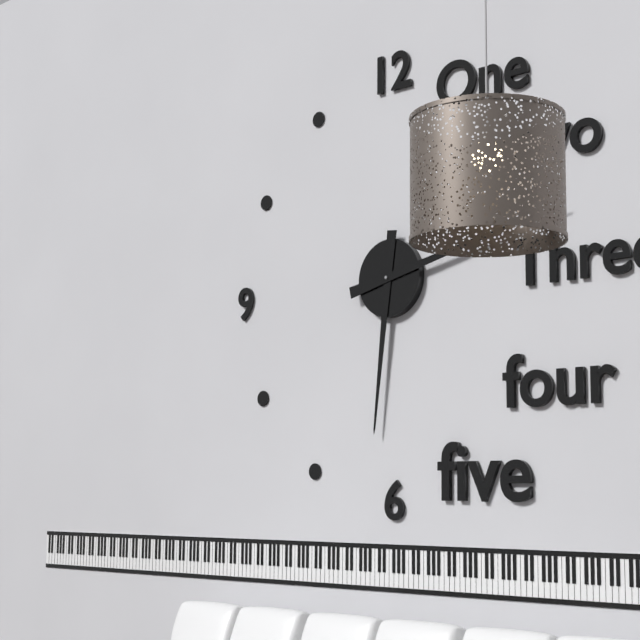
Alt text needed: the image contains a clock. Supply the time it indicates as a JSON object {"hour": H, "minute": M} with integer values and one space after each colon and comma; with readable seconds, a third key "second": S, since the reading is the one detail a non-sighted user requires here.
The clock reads {"hour": 6, "minute": 13}
